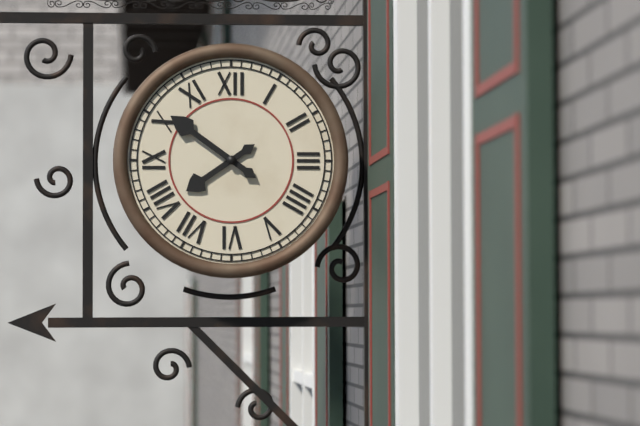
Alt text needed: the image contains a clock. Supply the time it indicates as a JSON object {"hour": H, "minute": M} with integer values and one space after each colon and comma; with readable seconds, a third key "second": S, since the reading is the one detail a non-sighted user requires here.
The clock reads {"hour": 7, "minute": 51}
